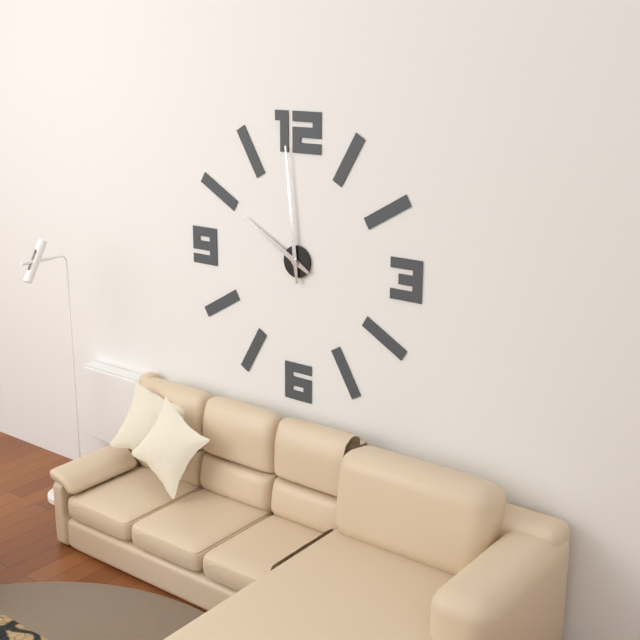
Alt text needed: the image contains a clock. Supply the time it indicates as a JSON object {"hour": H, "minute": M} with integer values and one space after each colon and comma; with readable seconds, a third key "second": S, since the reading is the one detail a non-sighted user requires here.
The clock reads {"hour": 9, "minute": 59}
